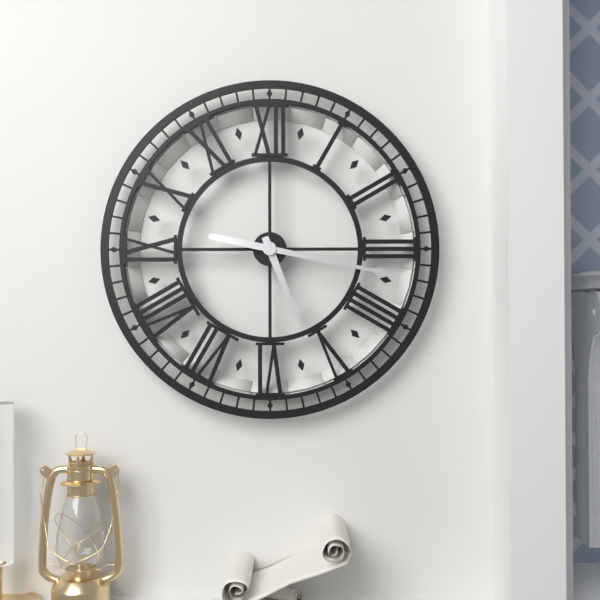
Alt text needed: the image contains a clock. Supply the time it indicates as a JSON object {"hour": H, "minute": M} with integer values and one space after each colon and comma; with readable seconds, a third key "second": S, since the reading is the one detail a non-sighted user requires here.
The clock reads {"hour": 5, "minute": 17}
